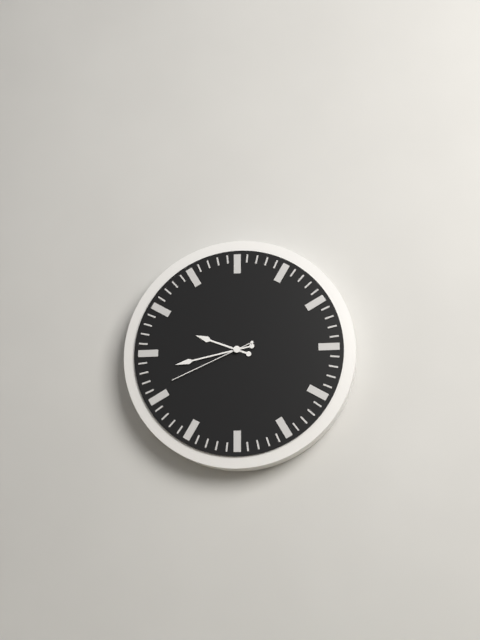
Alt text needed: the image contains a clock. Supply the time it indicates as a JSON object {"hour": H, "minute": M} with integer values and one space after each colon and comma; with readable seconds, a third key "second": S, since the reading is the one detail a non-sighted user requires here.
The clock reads {"hour": 9, "minute": 43, "second": 41}
